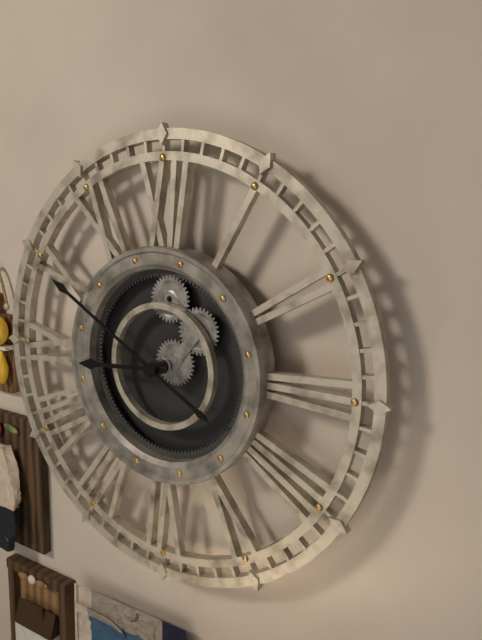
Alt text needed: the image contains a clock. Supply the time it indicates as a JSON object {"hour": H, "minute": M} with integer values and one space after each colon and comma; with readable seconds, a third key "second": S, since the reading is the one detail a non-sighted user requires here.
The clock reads {"hour": 8, "minute": 50}
